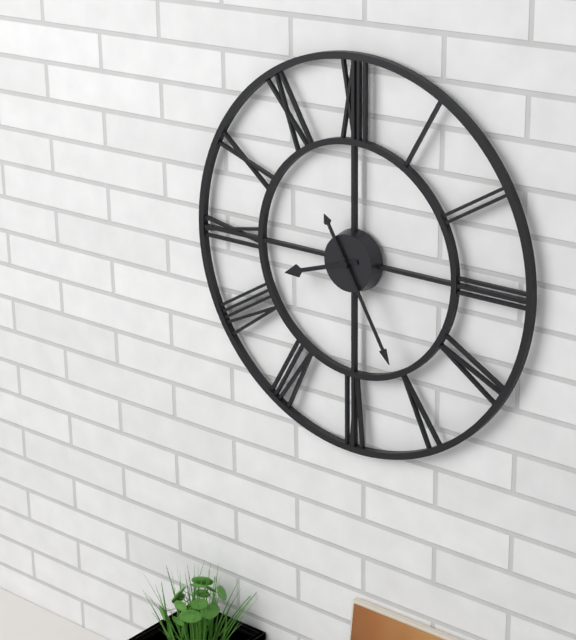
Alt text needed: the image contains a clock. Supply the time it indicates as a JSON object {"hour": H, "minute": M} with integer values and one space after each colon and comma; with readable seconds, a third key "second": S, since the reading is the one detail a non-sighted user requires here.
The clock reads {"hour": 8, "minute": 25}
